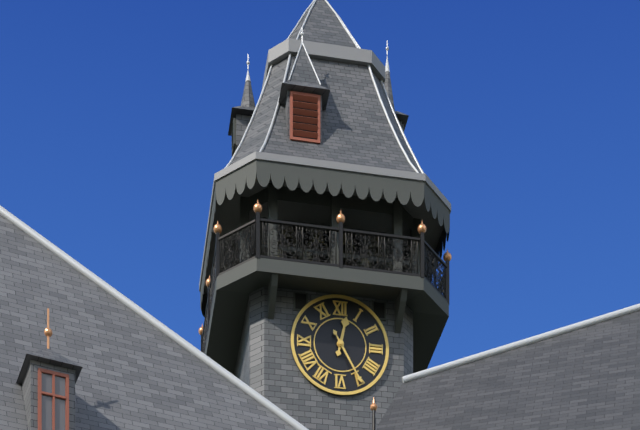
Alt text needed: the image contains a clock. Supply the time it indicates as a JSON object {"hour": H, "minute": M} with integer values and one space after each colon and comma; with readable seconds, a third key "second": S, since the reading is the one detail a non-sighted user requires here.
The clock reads {"hour": 12, "minute": 25}
